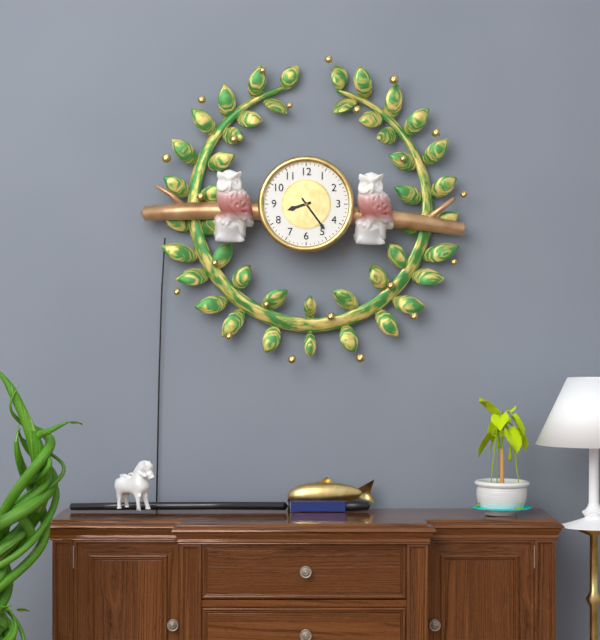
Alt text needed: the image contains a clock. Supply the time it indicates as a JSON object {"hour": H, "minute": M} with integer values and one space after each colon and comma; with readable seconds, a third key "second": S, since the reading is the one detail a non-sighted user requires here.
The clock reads {"hour": 8, "minute": 24}
